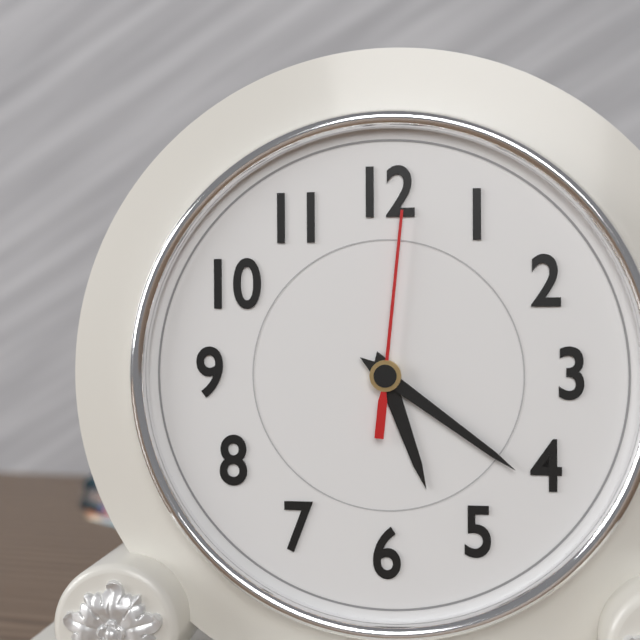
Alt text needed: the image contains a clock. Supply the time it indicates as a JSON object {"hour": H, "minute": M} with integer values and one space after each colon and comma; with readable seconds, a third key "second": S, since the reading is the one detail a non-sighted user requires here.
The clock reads {"hour": 5, "minute": 21, "second": 1}
